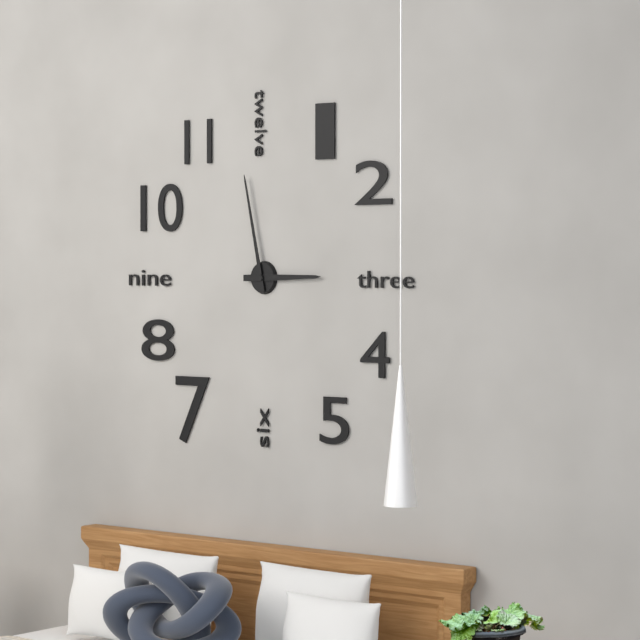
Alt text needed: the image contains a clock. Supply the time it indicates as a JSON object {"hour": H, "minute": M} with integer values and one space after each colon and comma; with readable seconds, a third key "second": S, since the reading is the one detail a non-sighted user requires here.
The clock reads {"hour": 2, "minute": 58}
